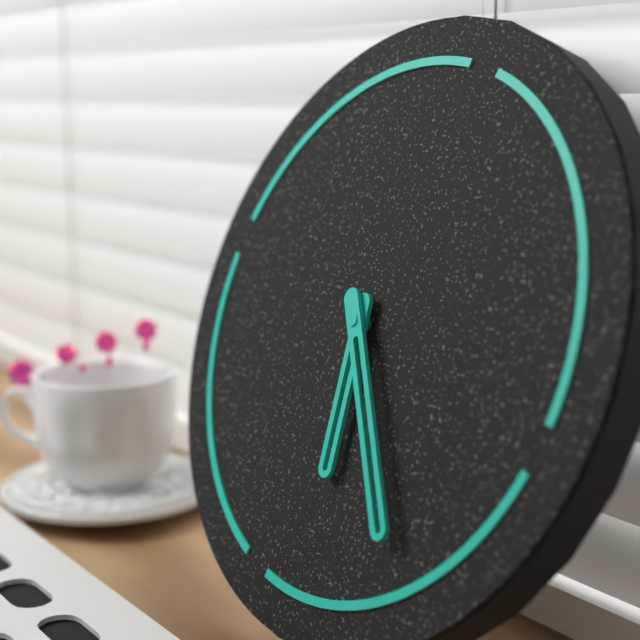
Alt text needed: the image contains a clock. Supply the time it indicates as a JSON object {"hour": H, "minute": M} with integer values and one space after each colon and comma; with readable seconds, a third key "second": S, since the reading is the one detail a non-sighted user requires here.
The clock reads {"hour": 5, "minute": 22}
